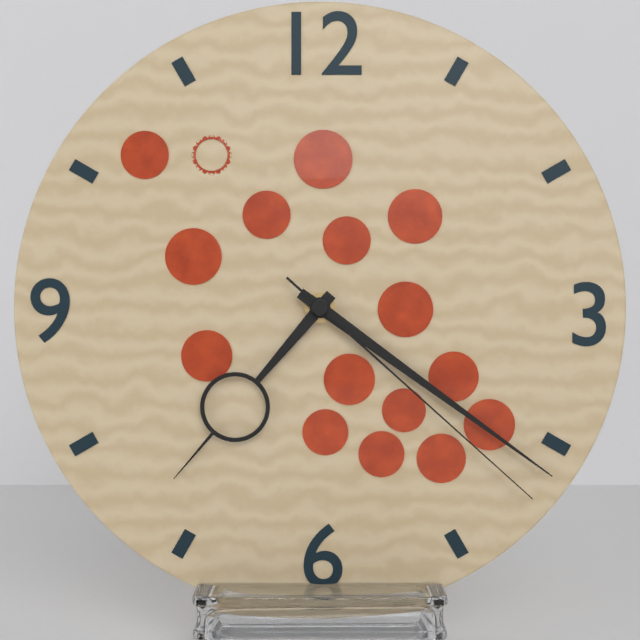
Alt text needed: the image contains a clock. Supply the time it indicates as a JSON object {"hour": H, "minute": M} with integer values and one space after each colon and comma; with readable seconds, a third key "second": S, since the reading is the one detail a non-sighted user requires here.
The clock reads {"hour": 7, "minute": 21, "second": 22}
